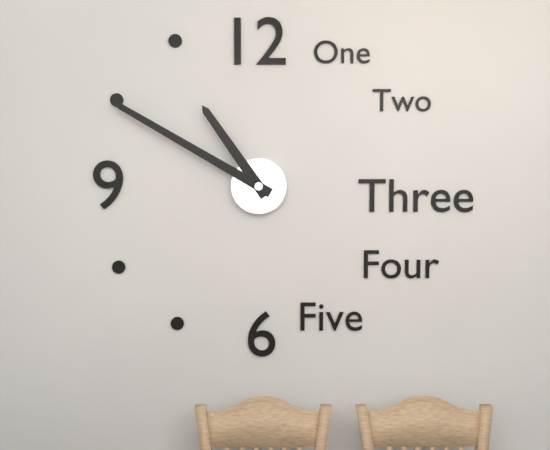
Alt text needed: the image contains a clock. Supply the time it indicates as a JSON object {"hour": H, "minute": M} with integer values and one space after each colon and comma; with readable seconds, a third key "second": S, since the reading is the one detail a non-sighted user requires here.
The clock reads {"hour": 10, "minute": 50}
